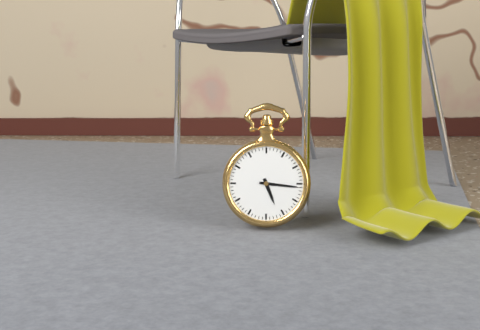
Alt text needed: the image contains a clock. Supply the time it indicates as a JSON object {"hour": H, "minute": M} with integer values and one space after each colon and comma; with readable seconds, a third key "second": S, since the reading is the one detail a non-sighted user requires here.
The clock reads {"hour": 5, "minute": 16}
